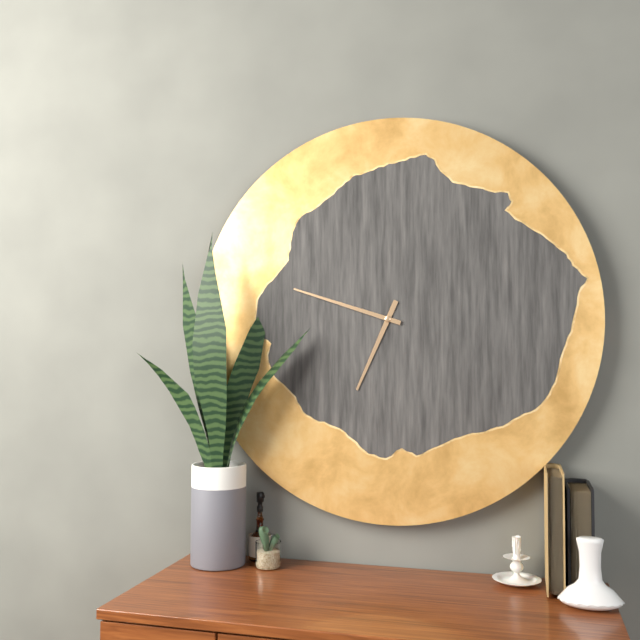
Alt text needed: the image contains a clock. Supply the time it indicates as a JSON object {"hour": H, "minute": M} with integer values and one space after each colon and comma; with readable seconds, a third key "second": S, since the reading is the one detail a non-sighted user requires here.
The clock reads {"hour": 6, "minute": 48}
